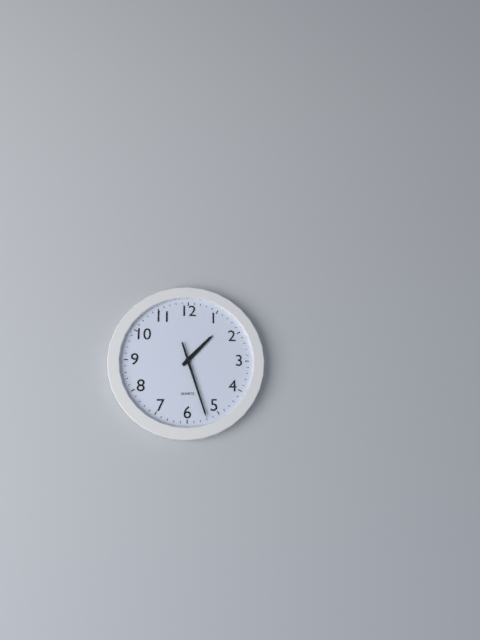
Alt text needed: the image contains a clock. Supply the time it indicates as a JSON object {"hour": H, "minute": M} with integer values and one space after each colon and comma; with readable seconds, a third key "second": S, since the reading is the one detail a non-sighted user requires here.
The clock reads {"hour": 1, "minute": 27}
